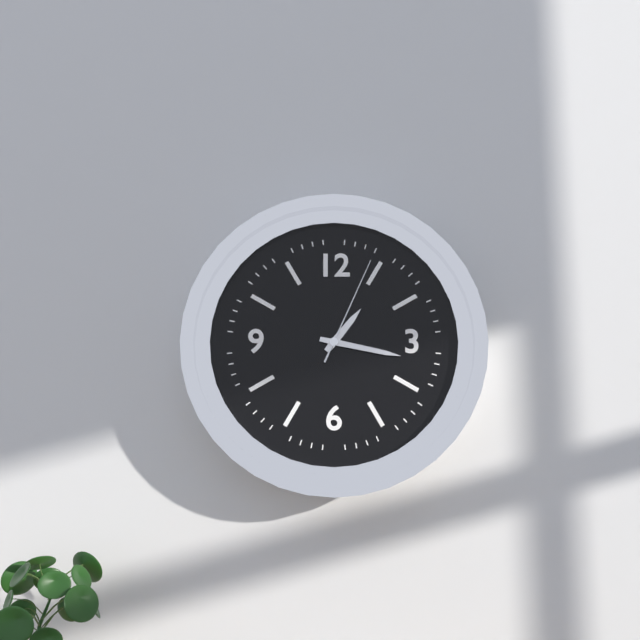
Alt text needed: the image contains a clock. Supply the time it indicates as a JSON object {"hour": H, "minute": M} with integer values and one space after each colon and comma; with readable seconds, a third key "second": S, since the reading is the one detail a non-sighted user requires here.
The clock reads {"hour": 1, "minute": 17, "second": 4}
